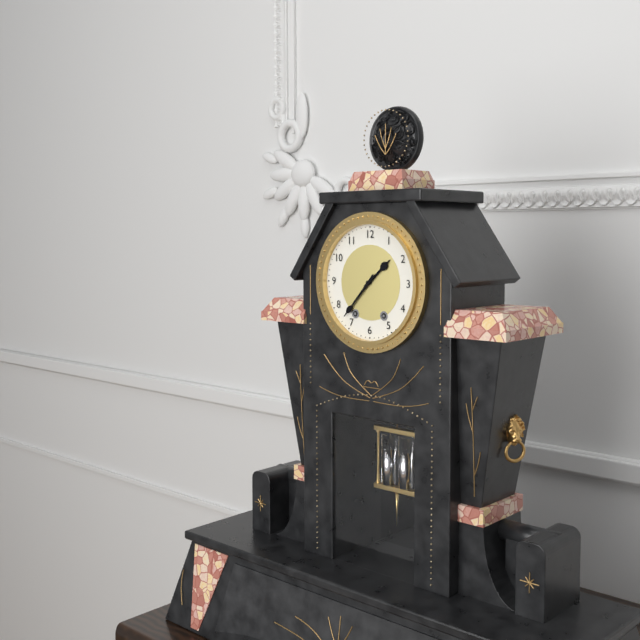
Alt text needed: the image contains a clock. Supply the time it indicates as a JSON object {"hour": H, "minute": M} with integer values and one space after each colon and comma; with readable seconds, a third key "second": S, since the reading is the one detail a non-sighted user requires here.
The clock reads {"hour": 1, "minute": 37}
